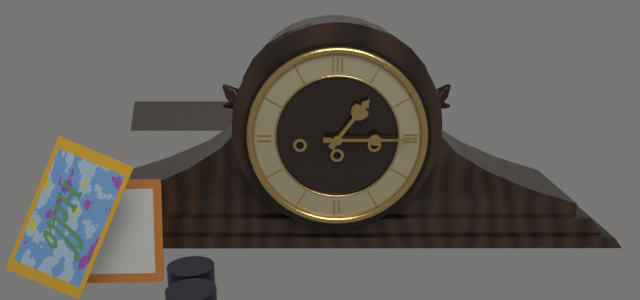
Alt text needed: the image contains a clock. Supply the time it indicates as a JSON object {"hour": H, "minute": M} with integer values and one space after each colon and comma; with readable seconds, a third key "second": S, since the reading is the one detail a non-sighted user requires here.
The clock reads {"hour": 1, "minute": 15}
